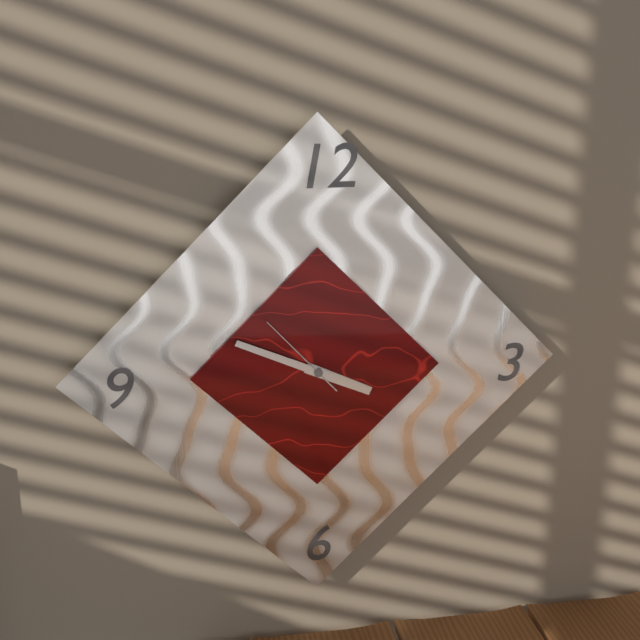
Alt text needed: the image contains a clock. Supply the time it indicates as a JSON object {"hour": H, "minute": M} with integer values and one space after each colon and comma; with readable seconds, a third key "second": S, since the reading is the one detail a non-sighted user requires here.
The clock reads {"hour": 3, "minute": 49, "second": 53}
